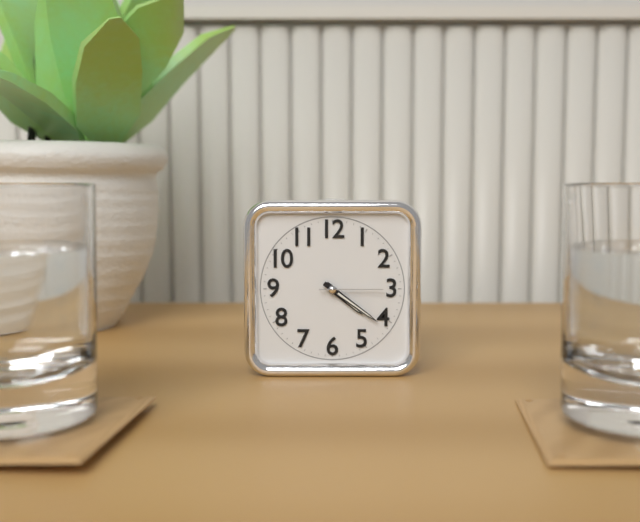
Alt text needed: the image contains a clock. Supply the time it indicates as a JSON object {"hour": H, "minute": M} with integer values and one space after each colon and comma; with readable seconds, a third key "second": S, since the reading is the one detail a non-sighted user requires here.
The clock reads {"hour": 4, "minute": 21, "second": 15}
